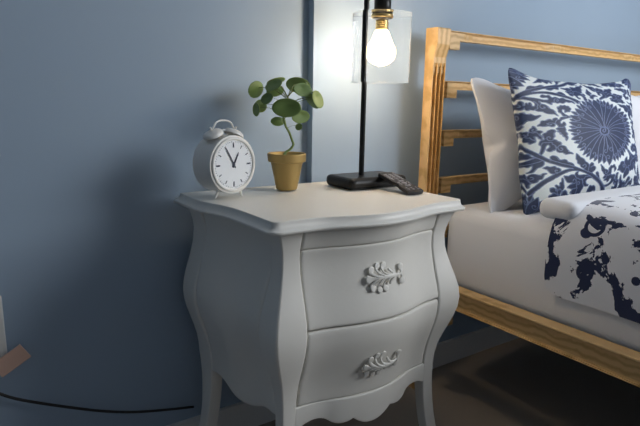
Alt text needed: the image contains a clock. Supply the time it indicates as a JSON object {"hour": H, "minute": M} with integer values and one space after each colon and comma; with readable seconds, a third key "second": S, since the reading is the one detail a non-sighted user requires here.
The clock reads {"hour": 12, "minute": 55}
